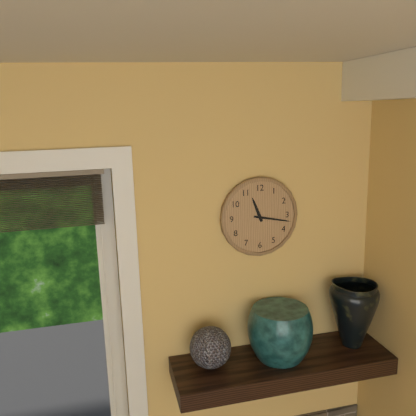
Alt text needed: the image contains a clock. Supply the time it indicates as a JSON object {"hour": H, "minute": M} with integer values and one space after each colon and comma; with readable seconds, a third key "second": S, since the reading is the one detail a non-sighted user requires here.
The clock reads {"hour": 11, "minute": 17}
